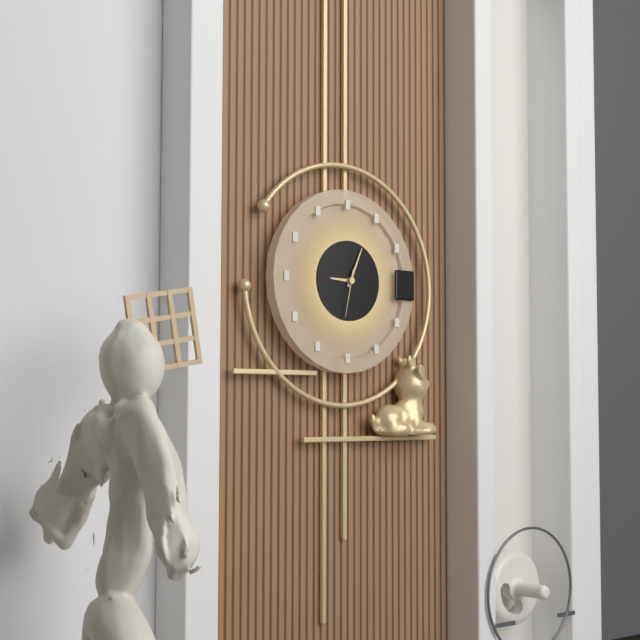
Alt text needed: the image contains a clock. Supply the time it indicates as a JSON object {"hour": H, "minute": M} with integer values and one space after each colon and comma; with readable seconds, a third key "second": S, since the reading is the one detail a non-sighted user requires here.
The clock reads {"hour": 9, "minute": 4}
